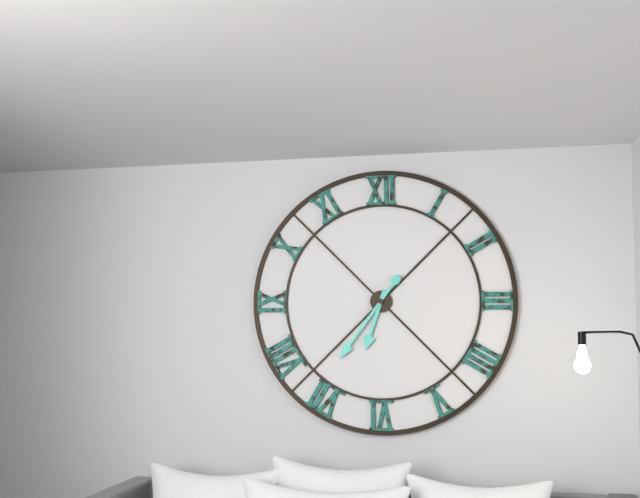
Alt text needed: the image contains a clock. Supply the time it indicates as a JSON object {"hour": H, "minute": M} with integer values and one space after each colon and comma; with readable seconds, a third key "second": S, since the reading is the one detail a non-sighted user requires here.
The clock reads {"hour": 6, "minute": 36}
